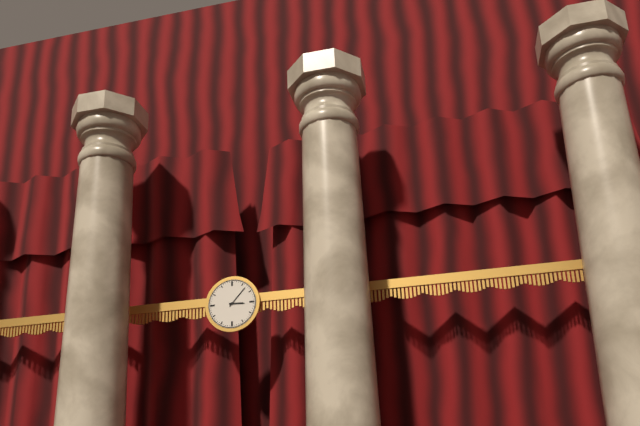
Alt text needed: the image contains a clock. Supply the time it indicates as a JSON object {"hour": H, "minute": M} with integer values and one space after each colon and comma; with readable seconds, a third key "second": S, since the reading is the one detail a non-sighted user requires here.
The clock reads {"hour": 3, "minute": 7}
